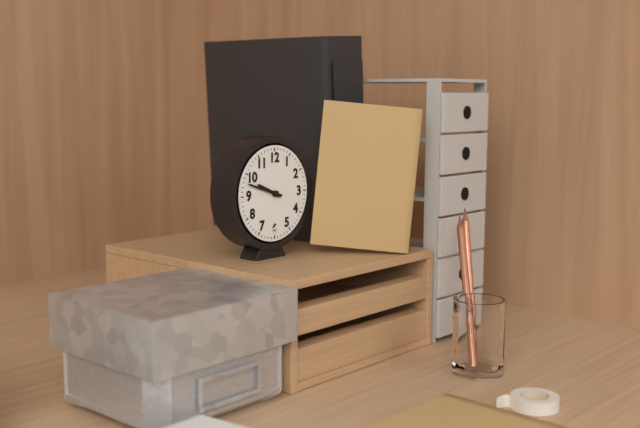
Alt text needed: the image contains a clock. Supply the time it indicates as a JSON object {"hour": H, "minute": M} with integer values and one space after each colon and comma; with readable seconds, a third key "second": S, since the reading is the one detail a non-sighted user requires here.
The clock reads {"hour": 9, "minute": 48}
